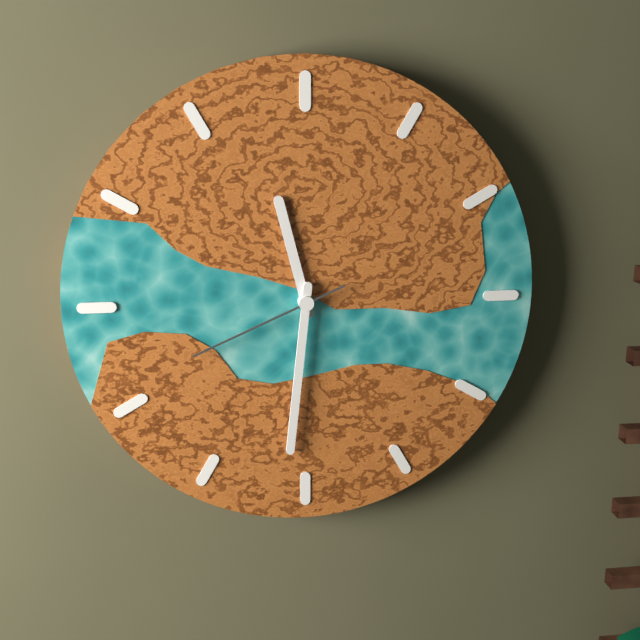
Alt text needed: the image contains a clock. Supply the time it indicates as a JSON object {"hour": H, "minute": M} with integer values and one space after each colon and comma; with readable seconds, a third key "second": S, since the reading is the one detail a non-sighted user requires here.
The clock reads {"hour": 11, "minute": 31, "second": 41}
